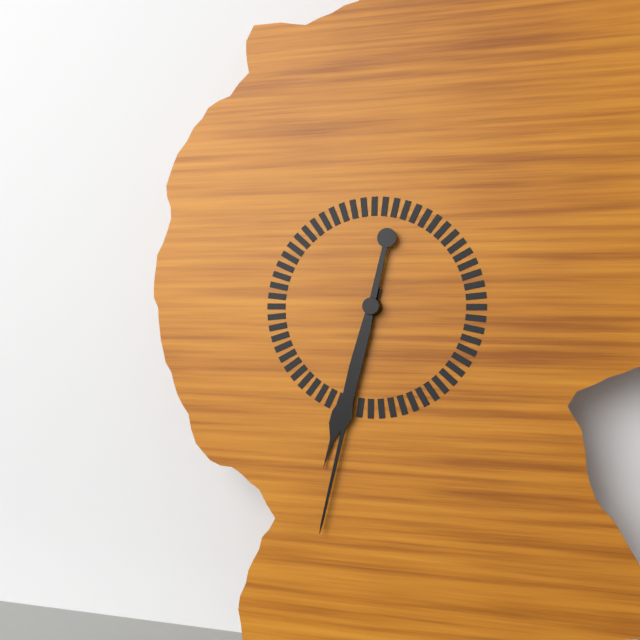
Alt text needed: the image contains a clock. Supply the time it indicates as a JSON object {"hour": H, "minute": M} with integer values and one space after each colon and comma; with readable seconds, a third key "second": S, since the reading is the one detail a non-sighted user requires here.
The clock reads {"hour": 6, "minute": 32}
